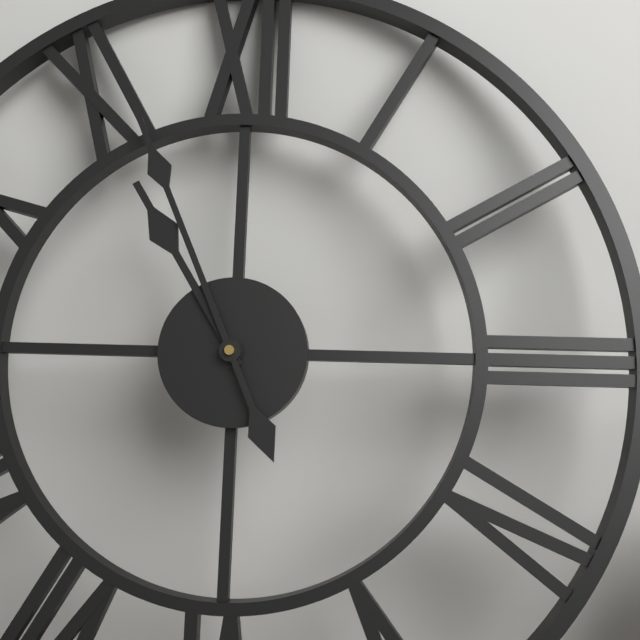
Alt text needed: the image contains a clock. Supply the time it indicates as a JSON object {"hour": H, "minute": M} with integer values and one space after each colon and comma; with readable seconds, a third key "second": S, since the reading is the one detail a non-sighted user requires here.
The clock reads {"hour": 10, "minute": 56}
